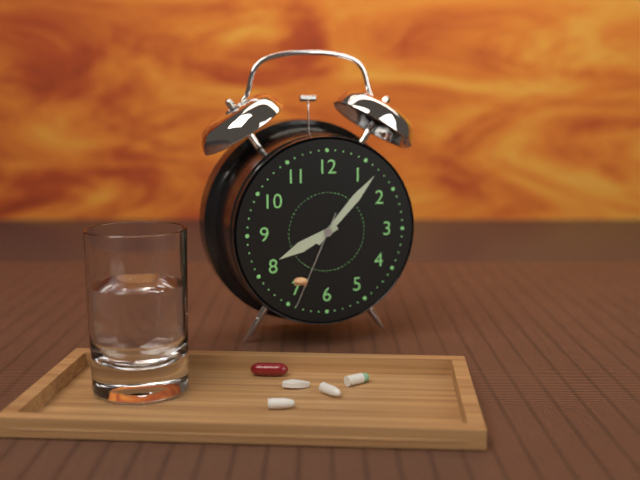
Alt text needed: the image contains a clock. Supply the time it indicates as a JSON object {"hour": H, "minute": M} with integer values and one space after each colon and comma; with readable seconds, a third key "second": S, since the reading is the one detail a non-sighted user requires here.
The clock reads {"hour": 8, "minute": 7, "second": 34}
